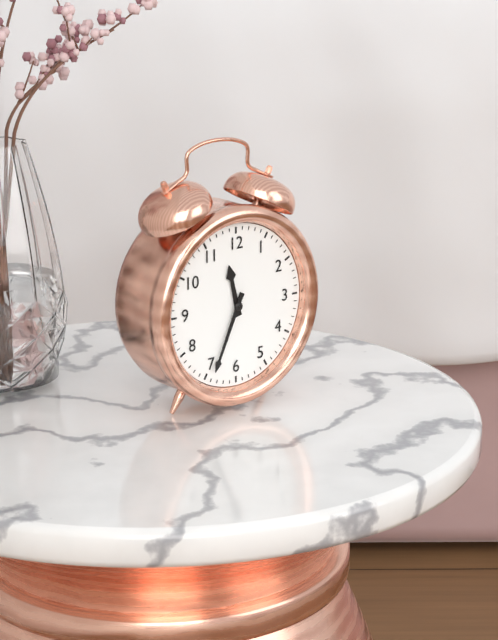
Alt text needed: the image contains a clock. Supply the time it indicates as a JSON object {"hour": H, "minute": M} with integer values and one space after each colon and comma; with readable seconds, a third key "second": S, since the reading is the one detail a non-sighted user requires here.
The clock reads {"hour": 11, "minute": 34}
